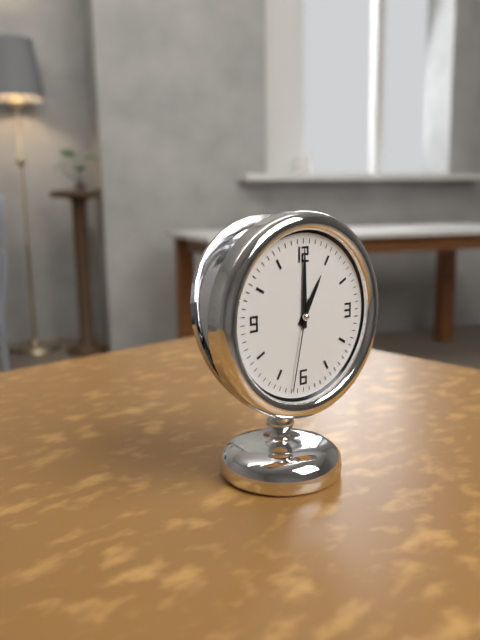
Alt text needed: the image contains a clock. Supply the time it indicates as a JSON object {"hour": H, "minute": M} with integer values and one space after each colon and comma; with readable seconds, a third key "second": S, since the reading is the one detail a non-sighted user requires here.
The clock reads {"hour": 1, "minute": 0, "second": 32}
